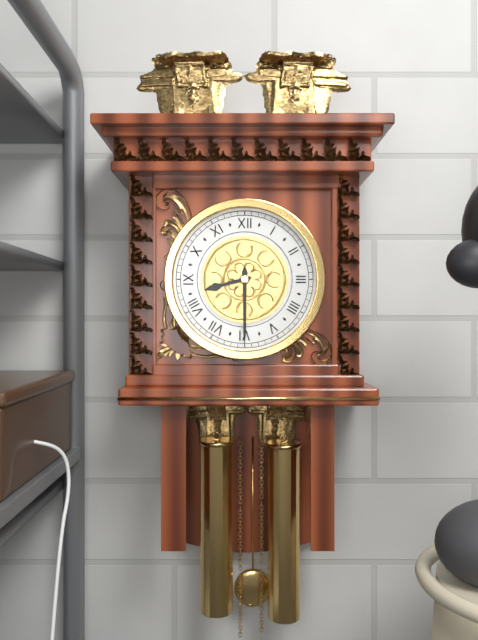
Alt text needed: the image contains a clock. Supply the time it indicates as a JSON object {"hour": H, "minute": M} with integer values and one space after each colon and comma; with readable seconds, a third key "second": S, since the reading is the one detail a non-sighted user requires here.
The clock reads {"hour": 8, "minute": 30}
